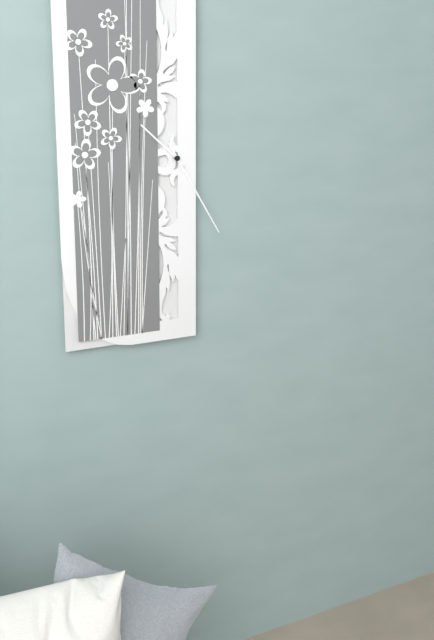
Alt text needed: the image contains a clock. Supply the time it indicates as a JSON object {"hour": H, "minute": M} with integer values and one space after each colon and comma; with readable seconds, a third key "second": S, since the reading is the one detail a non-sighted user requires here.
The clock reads {"hour": 10, "minute": 25}
